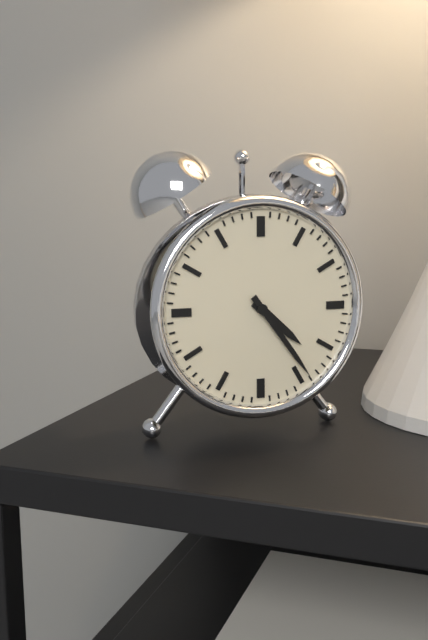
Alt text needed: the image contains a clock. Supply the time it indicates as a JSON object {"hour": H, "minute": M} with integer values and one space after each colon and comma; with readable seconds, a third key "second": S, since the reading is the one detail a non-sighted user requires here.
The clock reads {"hour": 4, "minute": 24}
